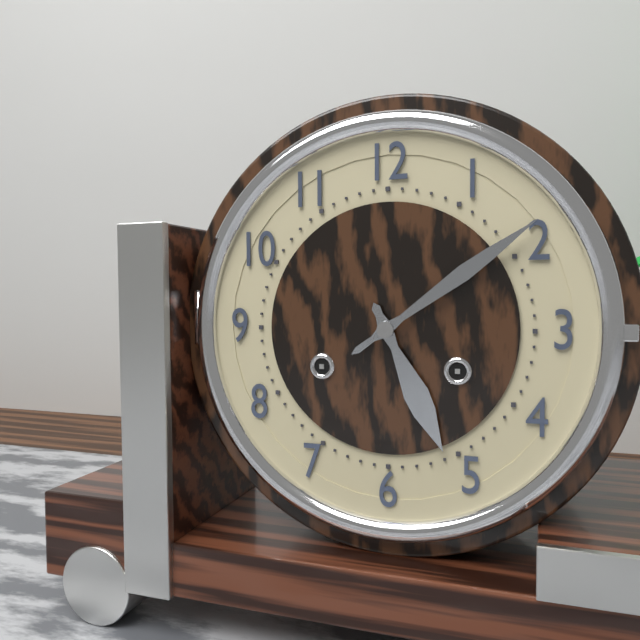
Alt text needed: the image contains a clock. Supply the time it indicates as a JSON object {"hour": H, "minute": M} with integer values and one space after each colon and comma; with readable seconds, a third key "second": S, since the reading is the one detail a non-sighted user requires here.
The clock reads {"hour": 5, "minute": 9}
